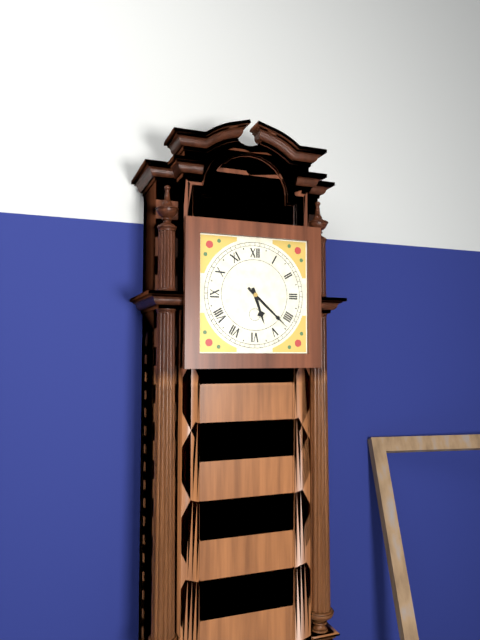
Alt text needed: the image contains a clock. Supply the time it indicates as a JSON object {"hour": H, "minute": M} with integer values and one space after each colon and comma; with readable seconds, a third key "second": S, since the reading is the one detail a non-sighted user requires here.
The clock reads {"hour": 5, "minute": 22}
